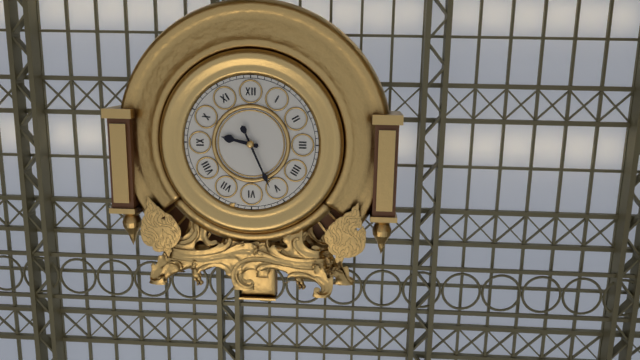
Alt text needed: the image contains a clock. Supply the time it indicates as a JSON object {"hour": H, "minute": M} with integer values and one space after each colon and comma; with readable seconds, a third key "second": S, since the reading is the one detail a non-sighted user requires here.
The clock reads {"hour": 9, "minute": 26}
